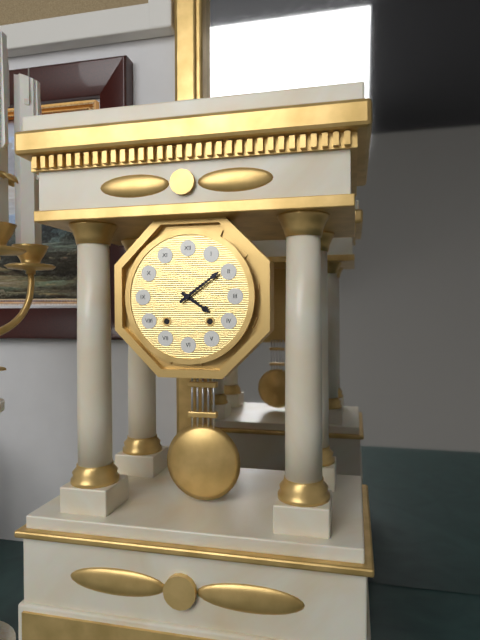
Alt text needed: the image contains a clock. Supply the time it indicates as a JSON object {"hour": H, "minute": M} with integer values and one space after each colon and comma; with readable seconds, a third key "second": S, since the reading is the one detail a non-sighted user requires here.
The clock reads {"hour": 4, "minute": 9}
